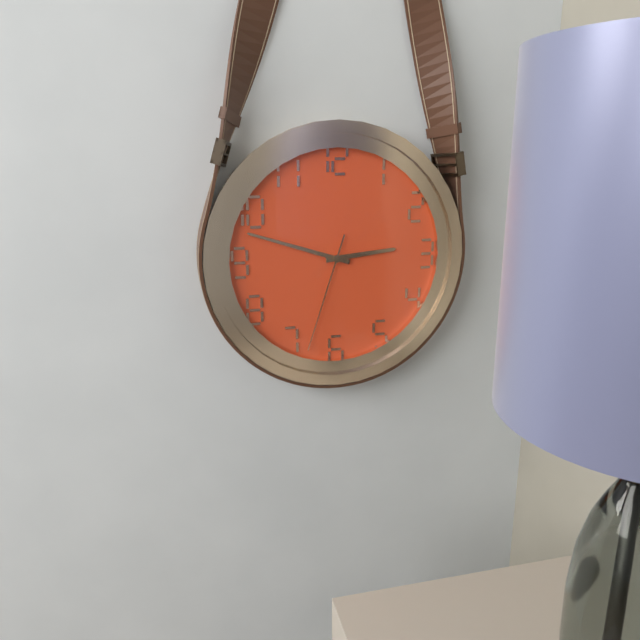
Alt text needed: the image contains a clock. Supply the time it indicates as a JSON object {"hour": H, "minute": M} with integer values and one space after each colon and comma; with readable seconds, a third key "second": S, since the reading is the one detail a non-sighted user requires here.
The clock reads {"hour": 2, "minute": 48, "second": 33}
